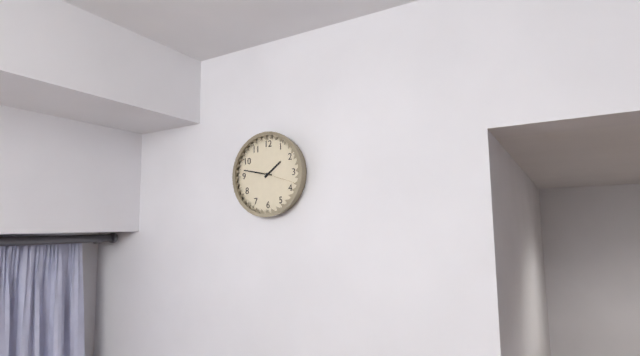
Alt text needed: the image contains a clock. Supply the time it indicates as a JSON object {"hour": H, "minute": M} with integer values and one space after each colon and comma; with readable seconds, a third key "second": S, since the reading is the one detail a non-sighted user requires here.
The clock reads {"hour": 1, "minute": 47}
